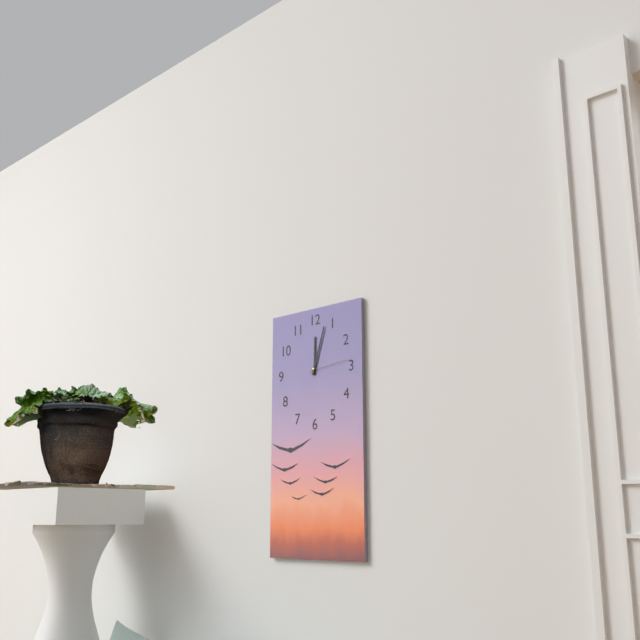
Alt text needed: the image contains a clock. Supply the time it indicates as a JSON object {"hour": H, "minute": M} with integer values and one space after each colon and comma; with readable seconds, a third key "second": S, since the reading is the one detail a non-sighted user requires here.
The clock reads {"hour": 12, "minute": 3}
